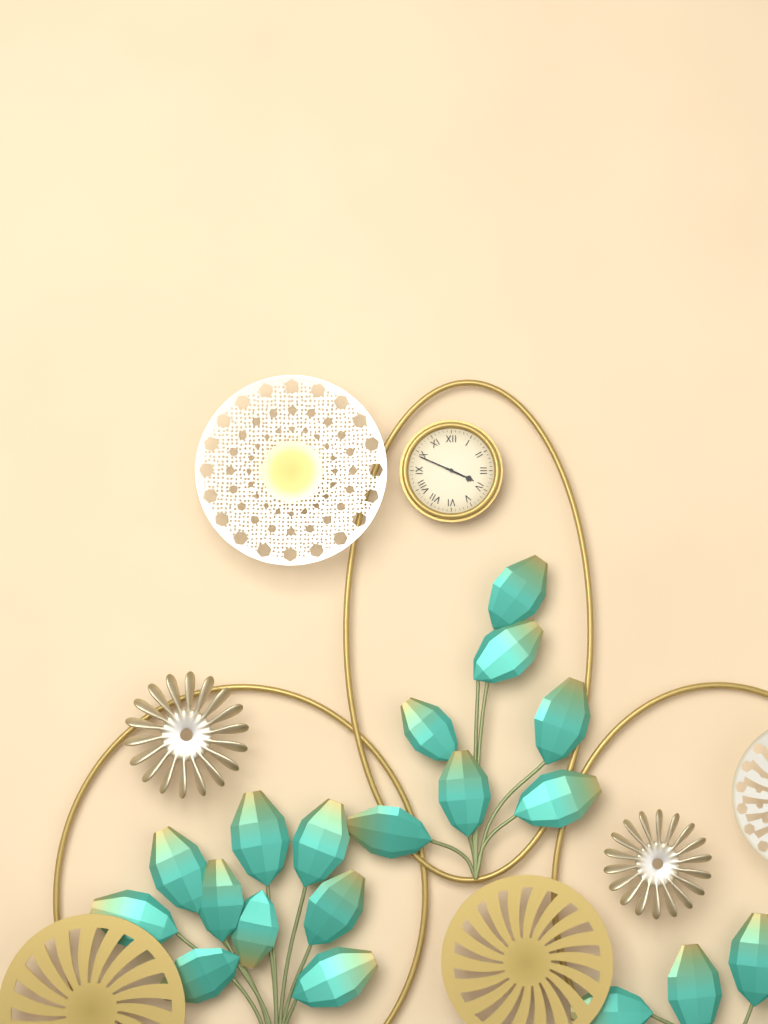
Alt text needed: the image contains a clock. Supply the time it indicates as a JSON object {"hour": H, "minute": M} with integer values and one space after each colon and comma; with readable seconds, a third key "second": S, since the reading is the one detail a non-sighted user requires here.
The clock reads {"hour": 3, "minute": 49}
